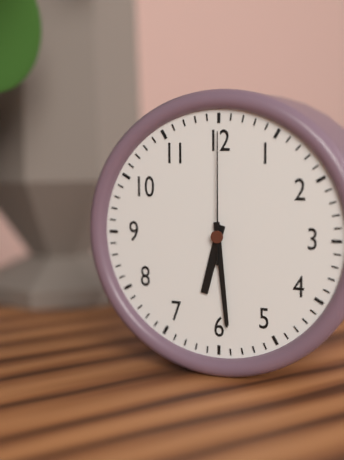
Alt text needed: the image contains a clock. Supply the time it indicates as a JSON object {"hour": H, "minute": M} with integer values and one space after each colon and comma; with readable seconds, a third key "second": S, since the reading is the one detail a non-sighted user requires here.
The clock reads {"hour": 6, "minute": 29, "second": 0}
